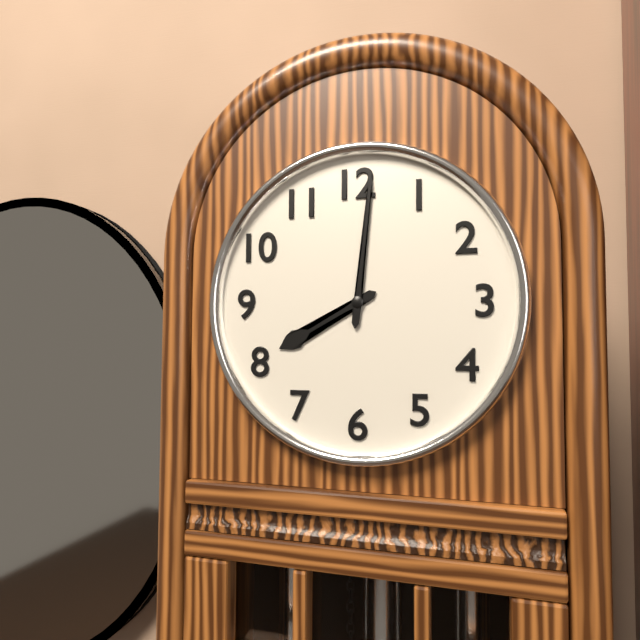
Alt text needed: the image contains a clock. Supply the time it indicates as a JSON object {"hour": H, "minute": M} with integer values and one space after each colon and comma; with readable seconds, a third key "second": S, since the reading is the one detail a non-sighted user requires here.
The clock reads {"hour": 8, "minute": 1}
